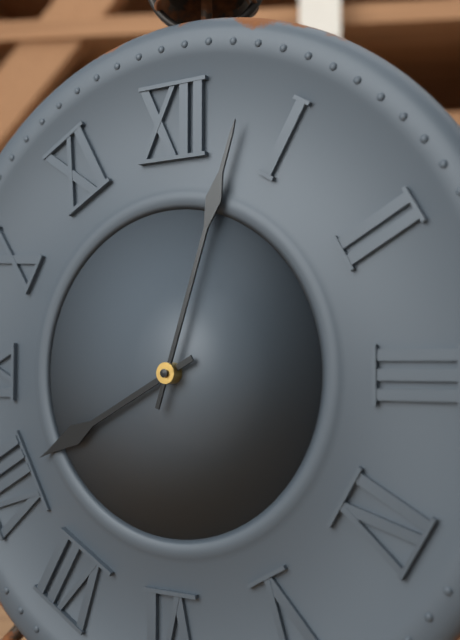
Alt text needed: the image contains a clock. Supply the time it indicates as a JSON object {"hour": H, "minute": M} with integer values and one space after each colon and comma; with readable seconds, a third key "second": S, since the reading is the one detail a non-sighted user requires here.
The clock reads {"hour": 8, "minute": 3}
